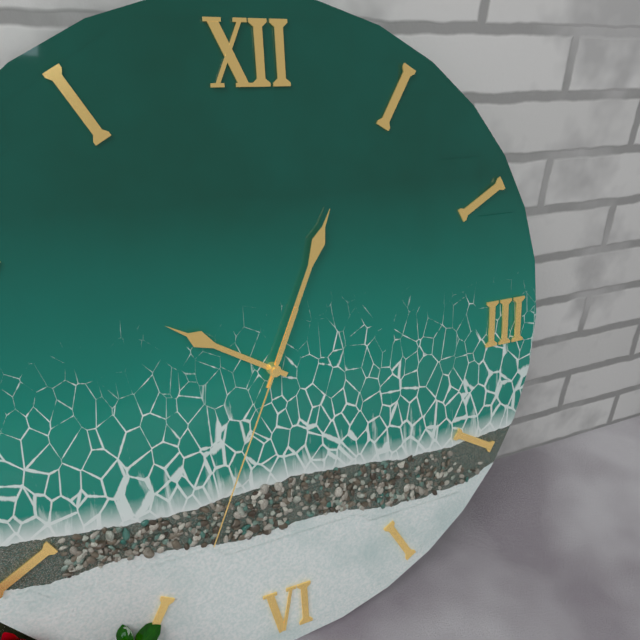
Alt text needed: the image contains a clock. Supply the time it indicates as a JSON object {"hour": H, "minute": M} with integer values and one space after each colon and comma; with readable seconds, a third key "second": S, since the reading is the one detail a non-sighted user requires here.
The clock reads {"hour": 10, "minute": 4, "second": 34}
